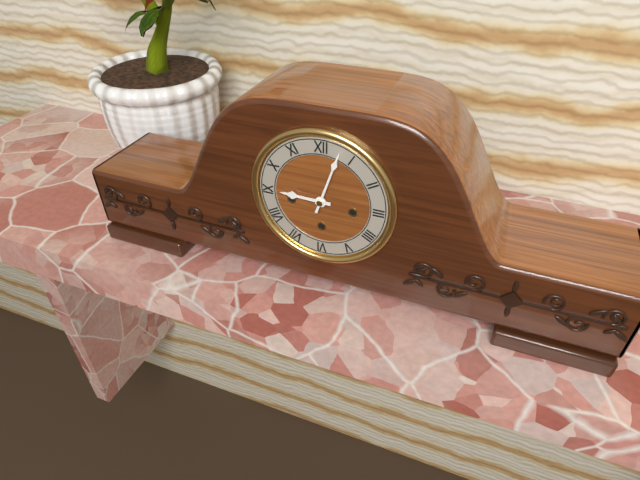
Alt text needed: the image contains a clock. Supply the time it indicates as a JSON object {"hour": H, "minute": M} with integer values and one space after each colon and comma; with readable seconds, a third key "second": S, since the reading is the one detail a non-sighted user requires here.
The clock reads {"hour": 9, "minute": 3}
